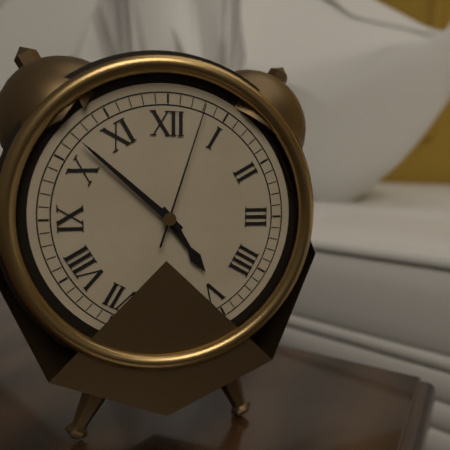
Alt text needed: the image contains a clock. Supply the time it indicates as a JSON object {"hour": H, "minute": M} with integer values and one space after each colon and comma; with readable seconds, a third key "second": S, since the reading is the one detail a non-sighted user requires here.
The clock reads {"hour": 4, "minute": 52, "second": 3}
